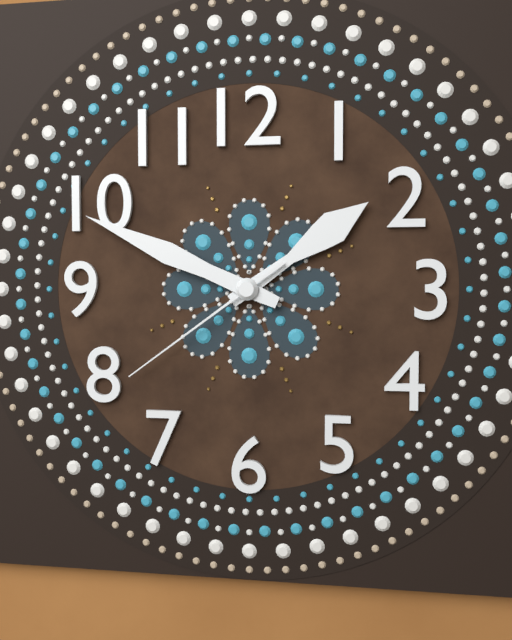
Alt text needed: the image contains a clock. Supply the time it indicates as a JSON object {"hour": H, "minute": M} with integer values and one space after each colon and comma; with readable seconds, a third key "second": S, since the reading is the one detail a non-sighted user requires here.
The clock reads {"hour": 1, "minute": 49, "second": 39}
